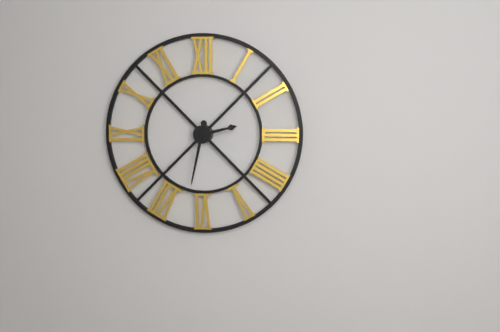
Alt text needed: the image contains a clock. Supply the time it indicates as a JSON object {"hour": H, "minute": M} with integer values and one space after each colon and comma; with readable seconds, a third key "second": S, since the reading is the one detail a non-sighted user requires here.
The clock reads {"hour": 2, "minute": 32}
